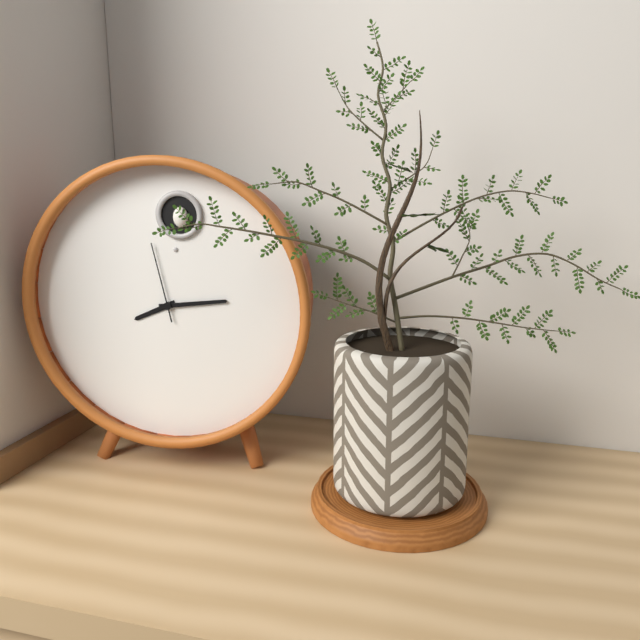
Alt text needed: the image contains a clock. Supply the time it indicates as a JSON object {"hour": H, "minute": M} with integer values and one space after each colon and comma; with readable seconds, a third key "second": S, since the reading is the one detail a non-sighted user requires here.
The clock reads {"hour": 8, "minute": 14, "second": 58}
